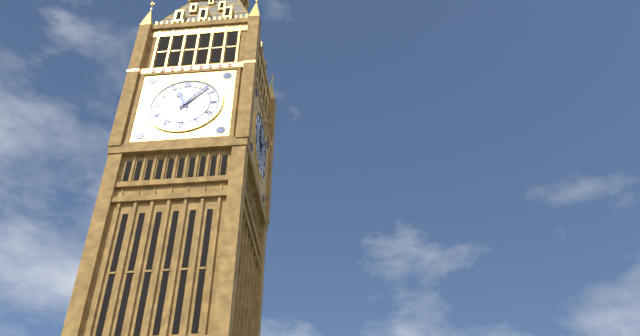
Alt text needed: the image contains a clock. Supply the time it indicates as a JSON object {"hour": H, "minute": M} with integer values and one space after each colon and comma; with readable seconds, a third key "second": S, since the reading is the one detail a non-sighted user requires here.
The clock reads {"hour": 11, "minute": 7}
